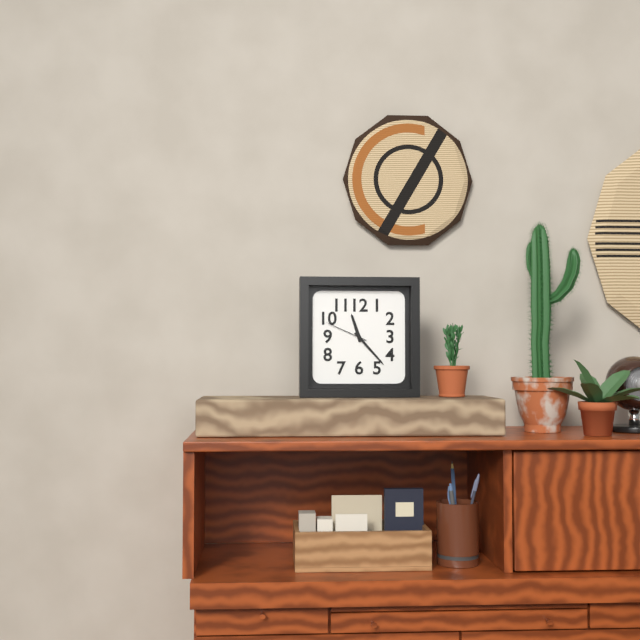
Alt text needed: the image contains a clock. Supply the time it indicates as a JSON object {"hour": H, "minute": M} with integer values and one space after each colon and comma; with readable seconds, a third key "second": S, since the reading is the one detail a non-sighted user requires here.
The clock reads {"hour": 11, "minute": 23}
